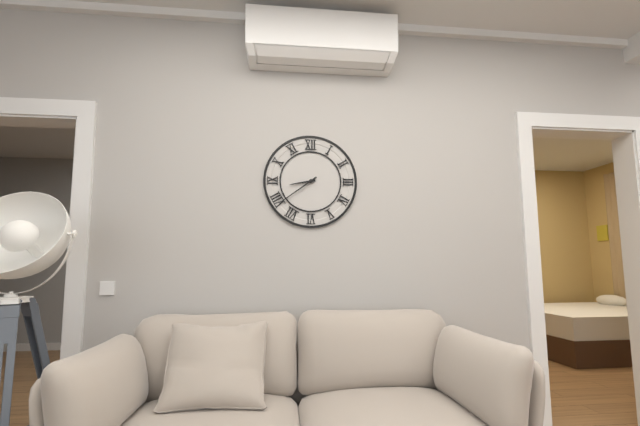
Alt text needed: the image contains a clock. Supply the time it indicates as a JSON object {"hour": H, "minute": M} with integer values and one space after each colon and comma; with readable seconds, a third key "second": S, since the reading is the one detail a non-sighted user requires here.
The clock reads {"hour": 8, "minute": 39}
